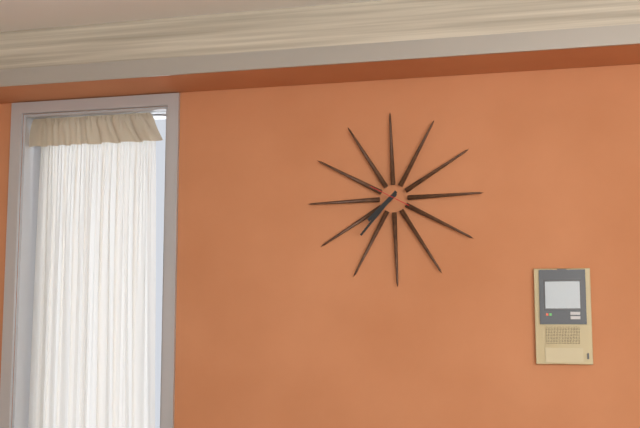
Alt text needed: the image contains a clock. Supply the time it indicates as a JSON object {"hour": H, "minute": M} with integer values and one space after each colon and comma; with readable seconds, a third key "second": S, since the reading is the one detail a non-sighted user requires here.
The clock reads {"hour": 7, "minute": 37}
